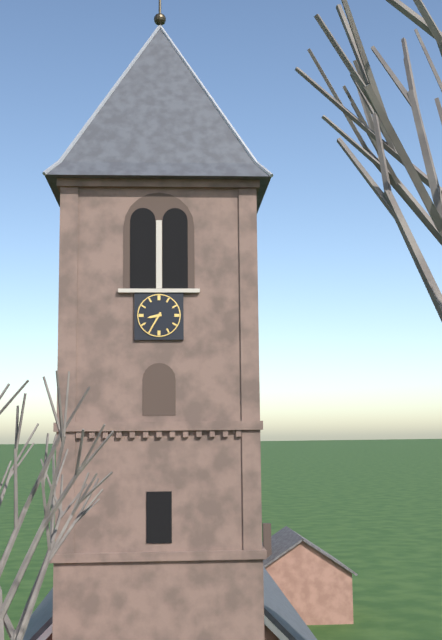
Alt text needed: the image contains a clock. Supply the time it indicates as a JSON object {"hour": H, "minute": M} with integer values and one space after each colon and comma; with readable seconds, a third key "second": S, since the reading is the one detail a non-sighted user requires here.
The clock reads {"hour": 8, "minute": 35}
